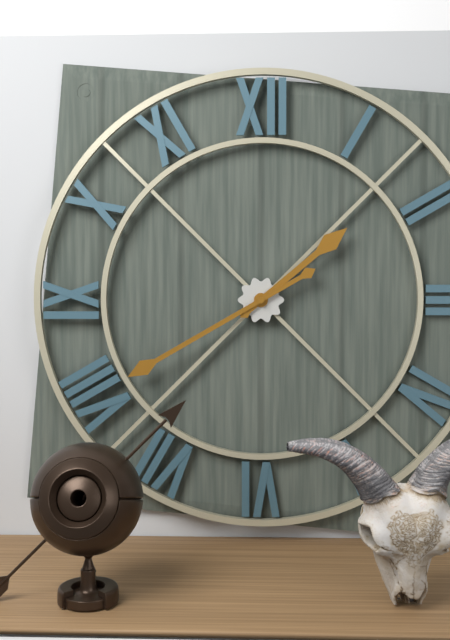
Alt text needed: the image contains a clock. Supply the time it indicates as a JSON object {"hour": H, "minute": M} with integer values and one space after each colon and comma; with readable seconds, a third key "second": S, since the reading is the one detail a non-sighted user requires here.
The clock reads {"hour": 1, "minute": 40}
